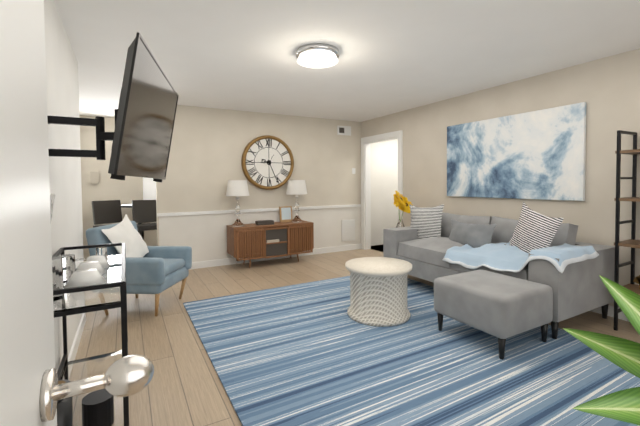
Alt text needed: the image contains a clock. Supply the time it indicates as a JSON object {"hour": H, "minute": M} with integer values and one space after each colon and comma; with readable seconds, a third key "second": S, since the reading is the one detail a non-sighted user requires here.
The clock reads {"hour": 9, "minute": 26}
